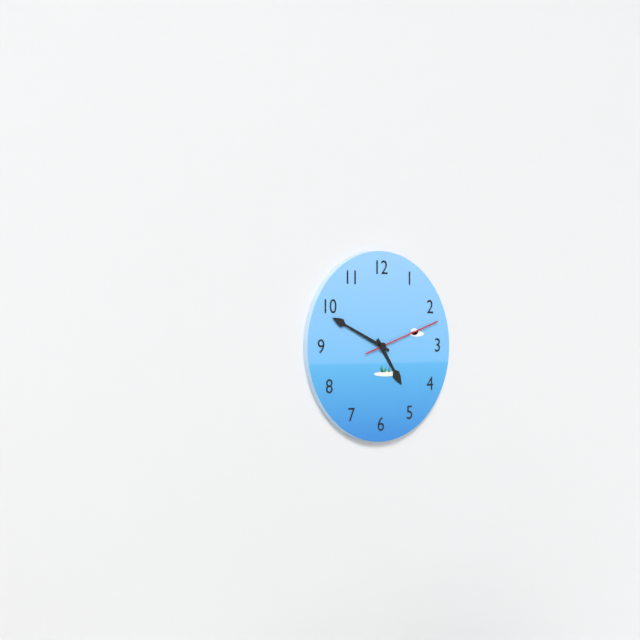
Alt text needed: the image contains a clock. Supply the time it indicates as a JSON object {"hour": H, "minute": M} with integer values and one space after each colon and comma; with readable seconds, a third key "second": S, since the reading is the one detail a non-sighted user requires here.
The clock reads {"hour": 4, "minute": 49, "second": 12}
